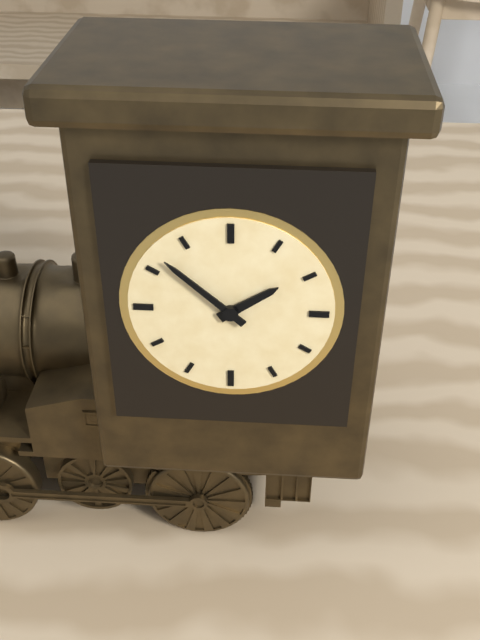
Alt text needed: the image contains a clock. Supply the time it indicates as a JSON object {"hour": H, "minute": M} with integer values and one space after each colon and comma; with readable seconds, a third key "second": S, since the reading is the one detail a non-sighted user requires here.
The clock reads {"hour": 1, "minute": 52}
